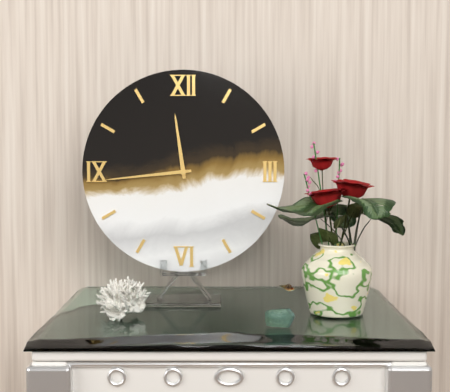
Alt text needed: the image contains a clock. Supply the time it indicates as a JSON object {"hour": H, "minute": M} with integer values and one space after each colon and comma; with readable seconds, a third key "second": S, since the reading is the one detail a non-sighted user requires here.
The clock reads {"hour": 11, "minute": 44}
